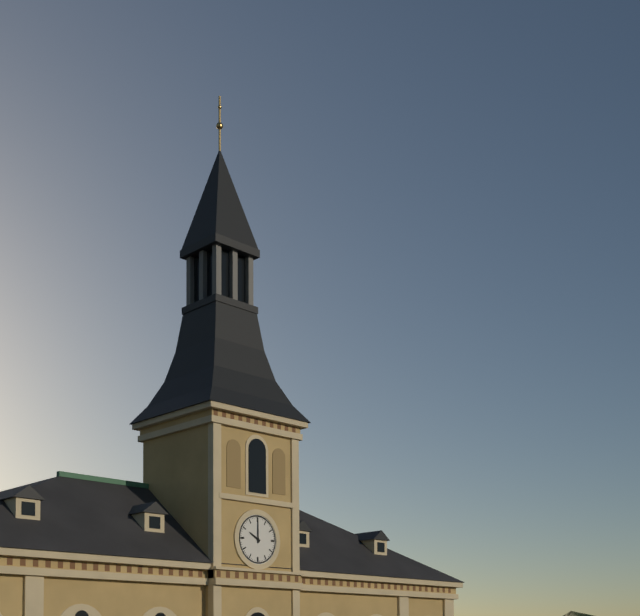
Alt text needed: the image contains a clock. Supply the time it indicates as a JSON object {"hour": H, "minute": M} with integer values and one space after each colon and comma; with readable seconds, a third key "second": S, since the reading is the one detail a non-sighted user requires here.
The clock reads {"hour": 10, "minute": 0}
